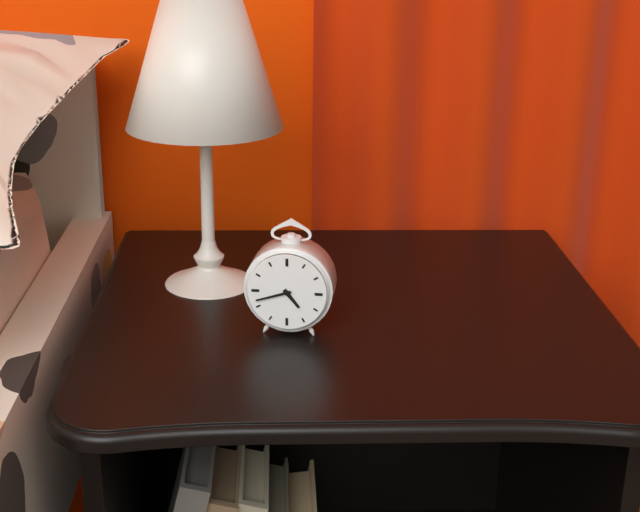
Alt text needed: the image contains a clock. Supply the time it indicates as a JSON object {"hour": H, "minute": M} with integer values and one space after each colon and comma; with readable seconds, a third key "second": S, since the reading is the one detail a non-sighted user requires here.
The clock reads {"hour": 4, "minute": 42}
